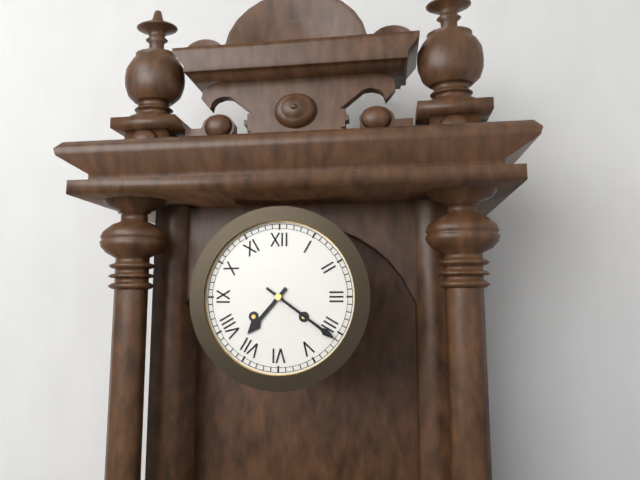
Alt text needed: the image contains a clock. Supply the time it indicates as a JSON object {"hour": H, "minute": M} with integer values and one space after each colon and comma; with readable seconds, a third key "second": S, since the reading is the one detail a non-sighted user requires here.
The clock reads {"hour": 7, "minute": 21}
